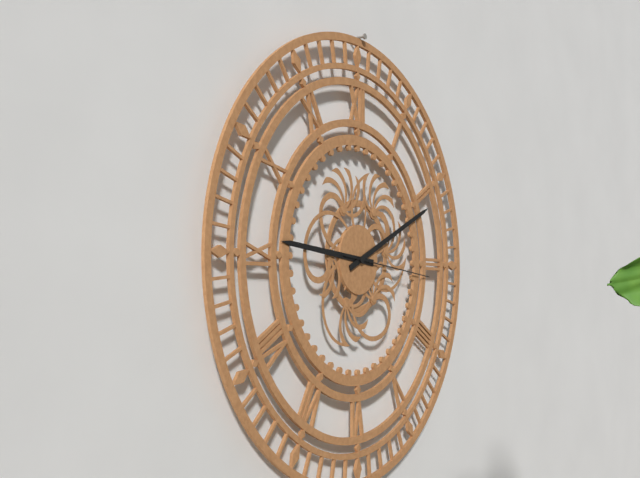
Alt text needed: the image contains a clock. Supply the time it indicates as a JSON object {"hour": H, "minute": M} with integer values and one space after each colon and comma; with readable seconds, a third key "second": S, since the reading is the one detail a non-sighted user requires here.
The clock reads {"hour": 9, "minute": 11, "second": 16}
